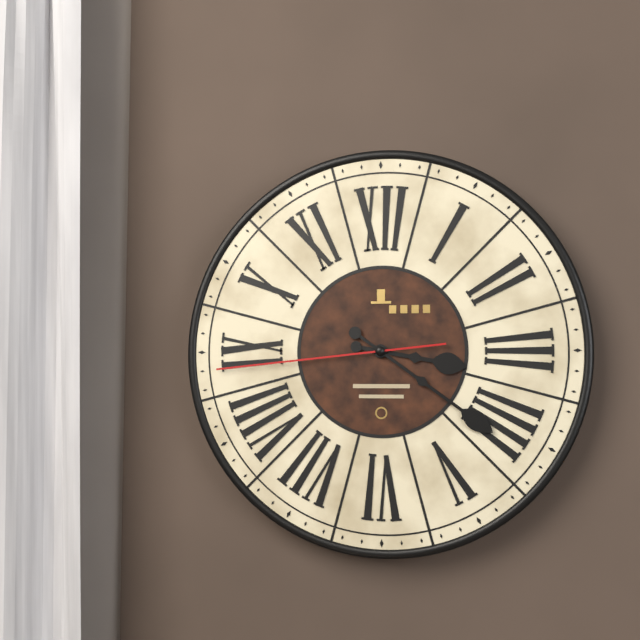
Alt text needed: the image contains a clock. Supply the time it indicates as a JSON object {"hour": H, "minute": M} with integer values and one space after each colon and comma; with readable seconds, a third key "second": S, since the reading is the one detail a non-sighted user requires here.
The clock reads {"hour": 3, "minute": 21, "second": 44}
